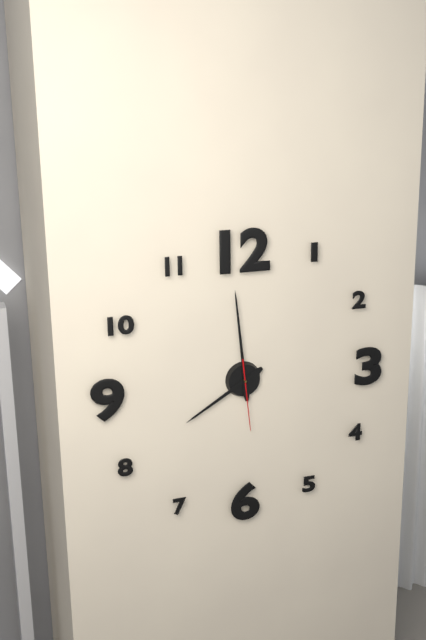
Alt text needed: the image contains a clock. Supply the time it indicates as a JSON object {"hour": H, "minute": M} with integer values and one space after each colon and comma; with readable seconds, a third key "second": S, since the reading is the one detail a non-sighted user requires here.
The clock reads {"hour": 7, "minute": 59, "second": 29}
